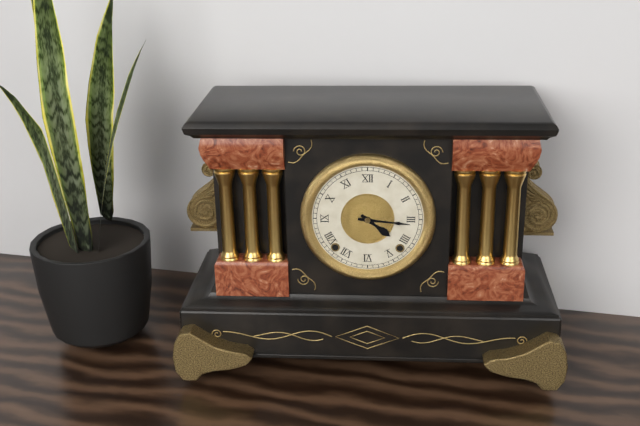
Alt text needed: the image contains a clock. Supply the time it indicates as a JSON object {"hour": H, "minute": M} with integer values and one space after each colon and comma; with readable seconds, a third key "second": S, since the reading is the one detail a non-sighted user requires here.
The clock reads {"hour": 4, "minute": 16}
